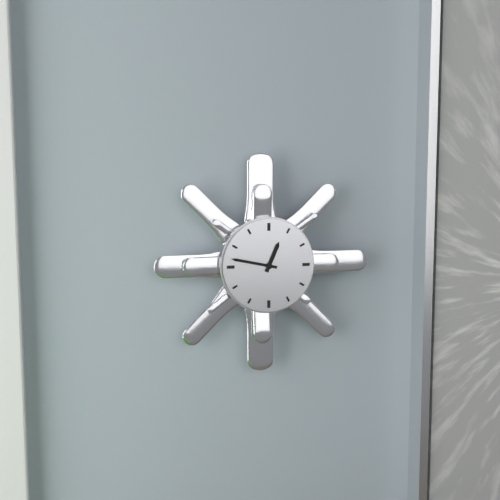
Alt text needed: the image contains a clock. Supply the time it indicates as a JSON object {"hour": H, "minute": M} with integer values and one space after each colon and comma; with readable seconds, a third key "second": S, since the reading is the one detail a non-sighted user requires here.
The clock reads {"hour": 12, "minute": 47}
